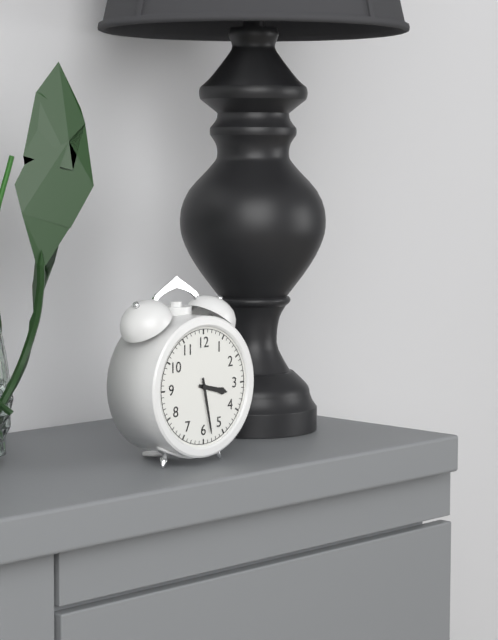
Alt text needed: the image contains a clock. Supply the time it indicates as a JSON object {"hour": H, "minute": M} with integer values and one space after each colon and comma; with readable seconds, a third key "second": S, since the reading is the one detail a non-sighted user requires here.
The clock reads {"hour": 3, "minute": 28}
